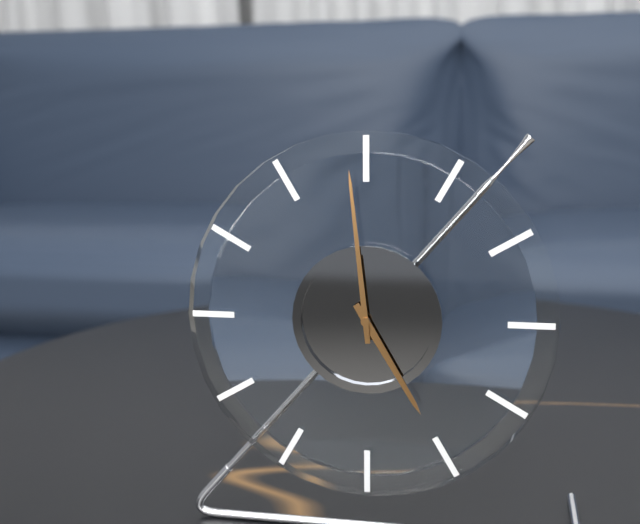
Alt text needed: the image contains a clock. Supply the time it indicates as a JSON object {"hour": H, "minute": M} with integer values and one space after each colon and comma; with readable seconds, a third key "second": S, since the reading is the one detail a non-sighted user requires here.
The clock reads {"hour": 4, "minute": 59}
